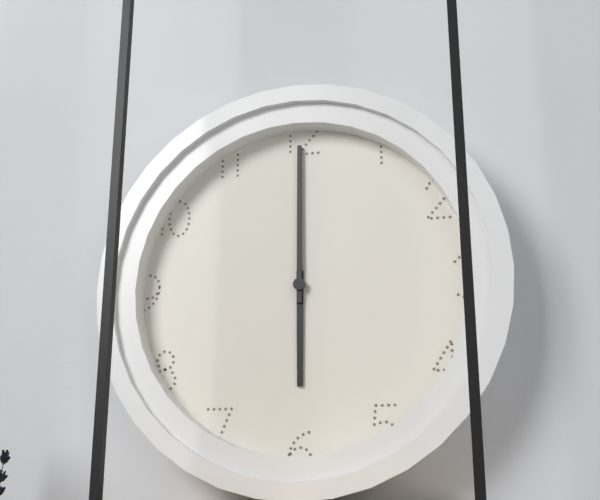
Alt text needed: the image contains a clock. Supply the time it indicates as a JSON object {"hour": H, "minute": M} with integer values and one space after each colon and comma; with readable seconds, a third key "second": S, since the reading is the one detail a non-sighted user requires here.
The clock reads {"hour": 6, "minute": 0}
